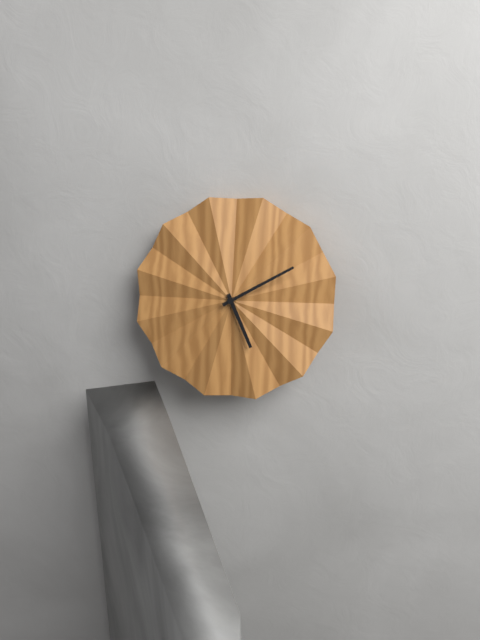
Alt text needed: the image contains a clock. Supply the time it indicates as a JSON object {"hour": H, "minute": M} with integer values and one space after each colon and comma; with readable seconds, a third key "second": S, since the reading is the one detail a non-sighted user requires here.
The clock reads {"hour": 5, "minute": 10}
